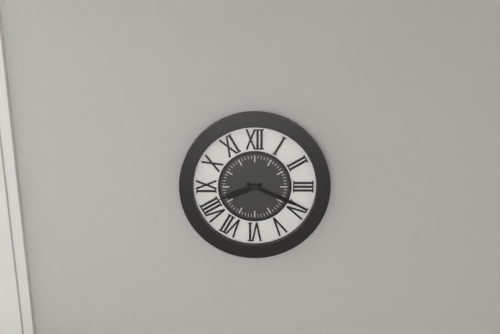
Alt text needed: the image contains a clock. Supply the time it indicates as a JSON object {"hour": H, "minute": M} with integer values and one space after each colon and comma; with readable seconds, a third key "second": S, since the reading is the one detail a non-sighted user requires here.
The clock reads {"hour": 8, "minute": 19}
